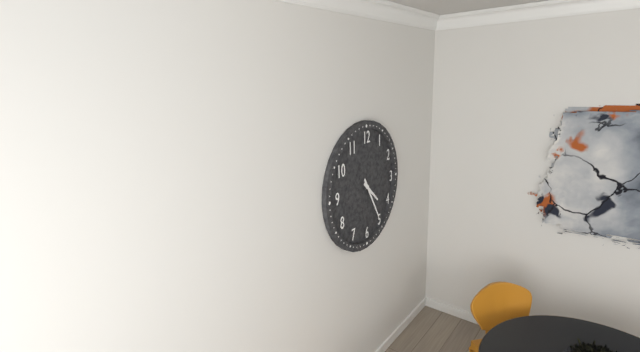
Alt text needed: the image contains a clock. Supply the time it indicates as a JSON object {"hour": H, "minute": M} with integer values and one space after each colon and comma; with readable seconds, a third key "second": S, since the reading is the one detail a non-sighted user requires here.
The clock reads {"hour": 4, "minute": 25}
